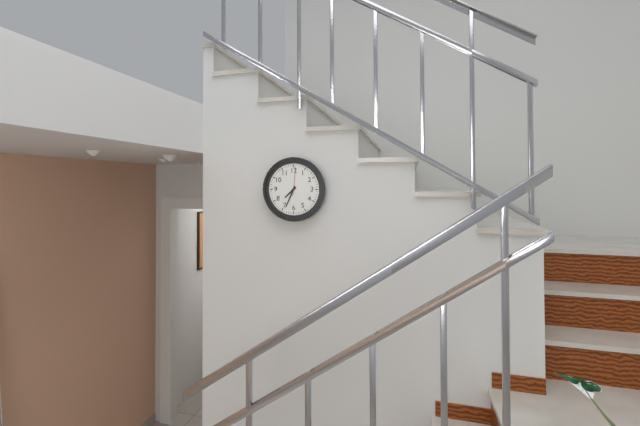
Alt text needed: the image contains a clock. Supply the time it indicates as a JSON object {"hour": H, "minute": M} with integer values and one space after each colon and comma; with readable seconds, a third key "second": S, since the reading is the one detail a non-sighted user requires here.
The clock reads {"hour": 7, "minute": 34}
